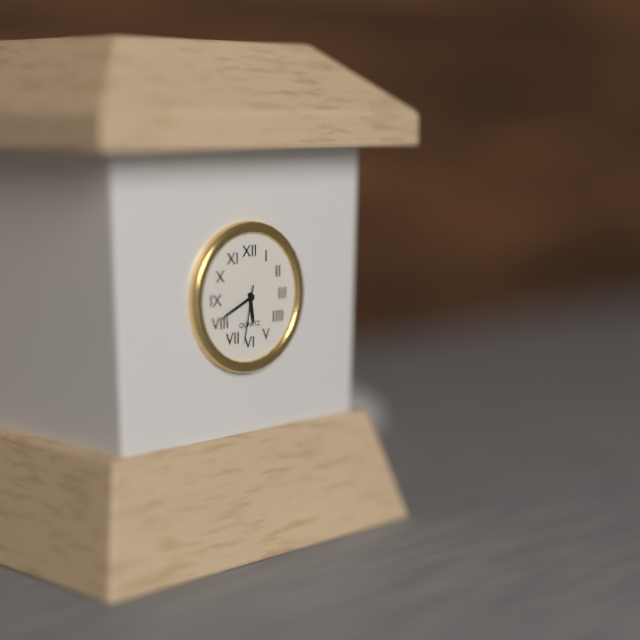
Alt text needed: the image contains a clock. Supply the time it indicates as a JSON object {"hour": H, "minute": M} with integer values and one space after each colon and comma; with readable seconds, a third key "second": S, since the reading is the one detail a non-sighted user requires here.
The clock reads {"hour": 5, "minute": 41, "second": 32}
